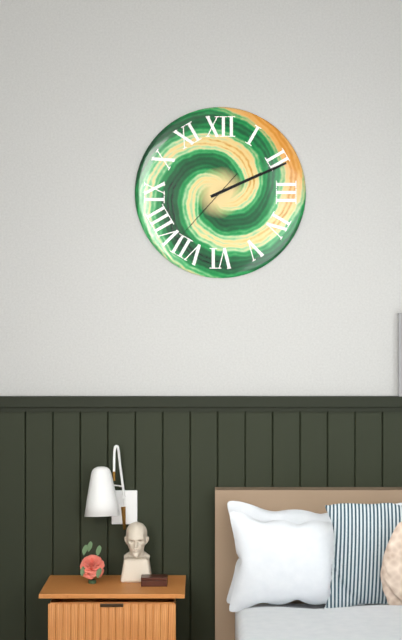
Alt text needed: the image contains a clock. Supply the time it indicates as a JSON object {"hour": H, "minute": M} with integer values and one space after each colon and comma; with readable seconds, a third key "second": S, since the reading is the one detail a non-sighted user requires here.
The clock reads {"hour": 2, "minute": 11, "second": 37}
